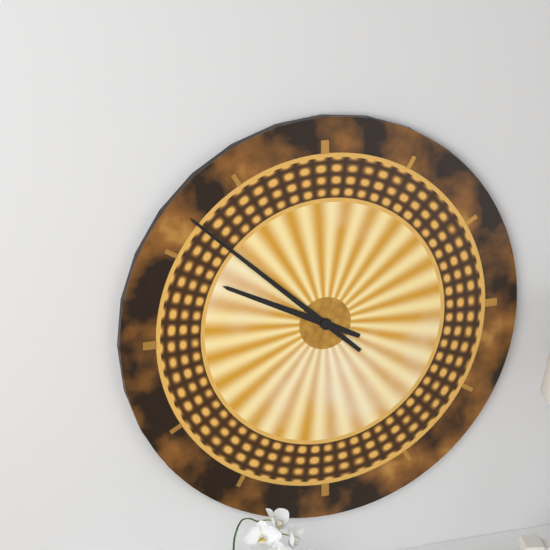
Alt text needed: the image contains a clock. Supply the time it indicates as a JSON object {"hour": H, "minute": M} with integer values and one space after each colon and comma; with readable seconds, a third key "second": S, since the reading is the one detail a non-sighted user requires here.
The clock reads {"hour": 9, "minute": 52}
